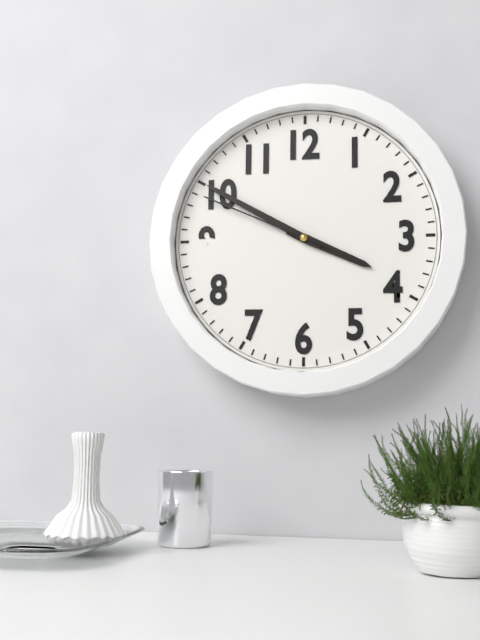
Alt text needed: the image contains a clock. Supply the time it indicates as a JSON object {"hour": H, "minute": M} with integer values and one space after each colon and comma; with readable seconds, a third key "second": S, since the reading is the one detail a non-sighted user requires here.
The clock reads {"hour": 3, "minute": 50, "second": 49}
